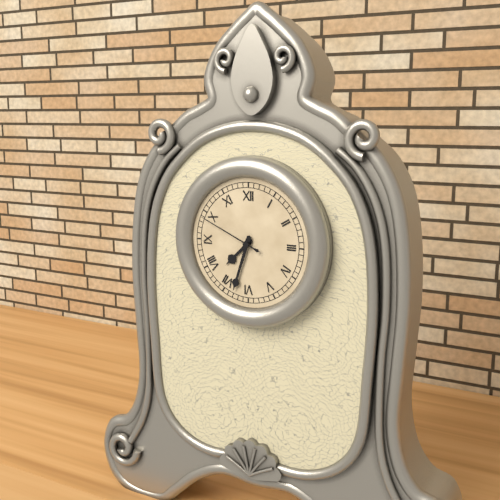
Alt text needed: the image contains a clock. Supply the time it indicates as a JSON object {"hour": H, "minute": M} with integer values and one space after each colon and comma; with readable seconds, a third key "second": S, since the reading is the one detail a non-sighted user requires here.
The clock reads {"hour": 7, "minute": 33, "second": 49}
